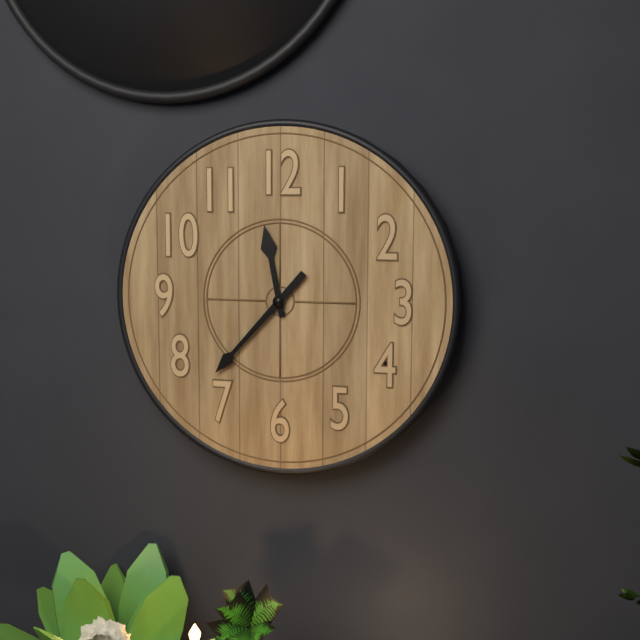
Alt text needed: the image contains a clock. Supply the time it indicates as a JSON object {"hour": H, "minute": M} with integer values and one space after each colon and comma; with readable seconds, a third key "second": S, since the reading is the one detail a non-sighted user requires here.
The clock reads {"hour": 11, "minute": 37}
